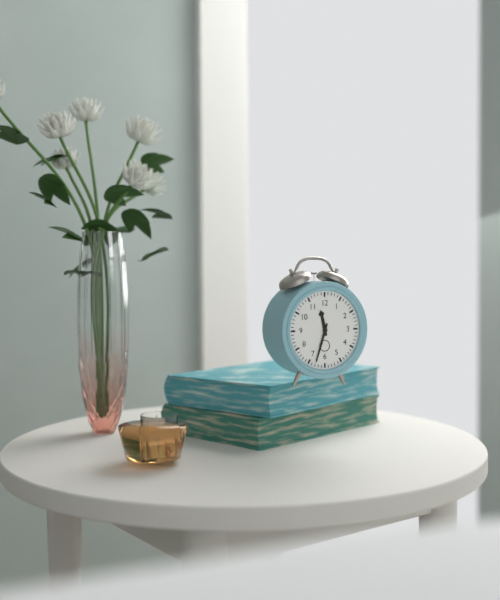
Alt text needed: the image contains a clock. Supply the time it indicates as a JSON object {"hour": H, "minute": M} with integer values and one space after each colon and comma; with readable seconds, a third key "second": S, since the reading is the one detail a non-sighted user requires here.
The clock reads {"hour": 11, "minute": 33}
